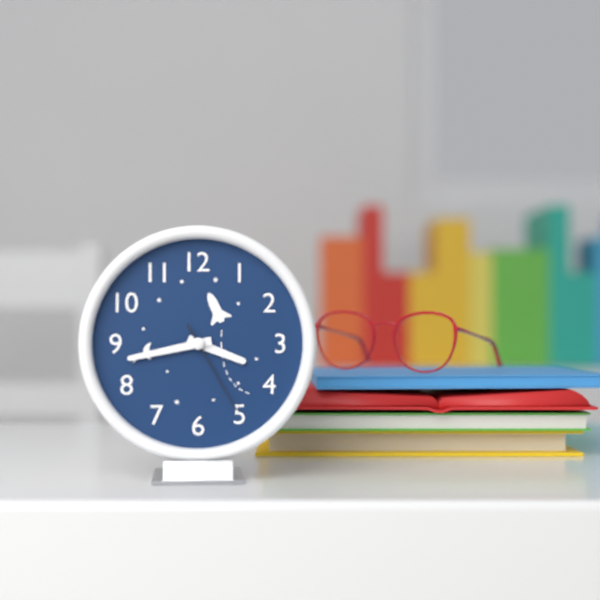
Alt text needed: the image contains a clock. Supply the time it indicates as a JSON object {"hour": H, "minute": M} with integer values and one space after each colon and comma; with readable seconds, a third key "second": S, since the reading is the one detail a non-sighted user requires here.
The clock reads {"hour": 3, "minute": 43, "second": 25}
